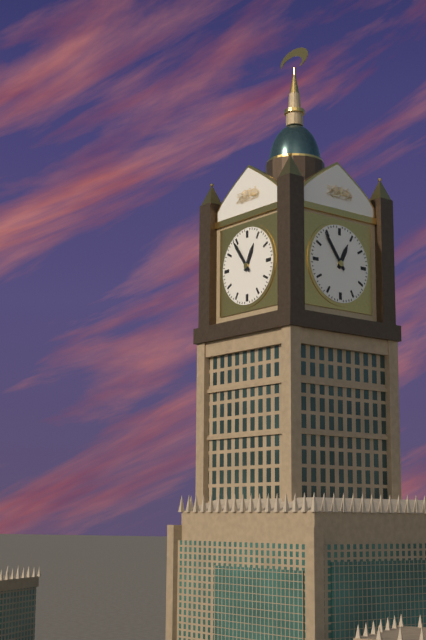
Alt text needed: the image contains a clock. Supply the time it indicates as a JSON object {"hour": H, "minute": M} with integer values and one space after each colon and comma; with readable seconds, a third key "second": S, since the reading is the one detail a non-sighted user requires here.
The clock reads {"hour": 12, "minute": 54}
